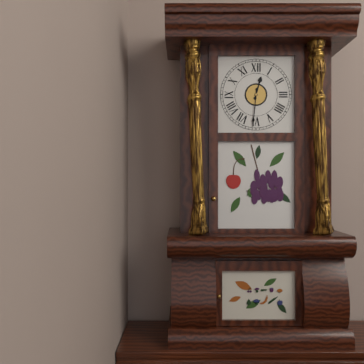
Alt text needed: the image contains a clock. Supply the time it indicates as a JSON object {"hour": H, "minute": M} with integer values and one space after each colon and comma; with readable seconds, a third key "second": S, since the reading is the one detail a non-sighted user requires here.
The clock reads {"hour": 12, "minute": 31}
